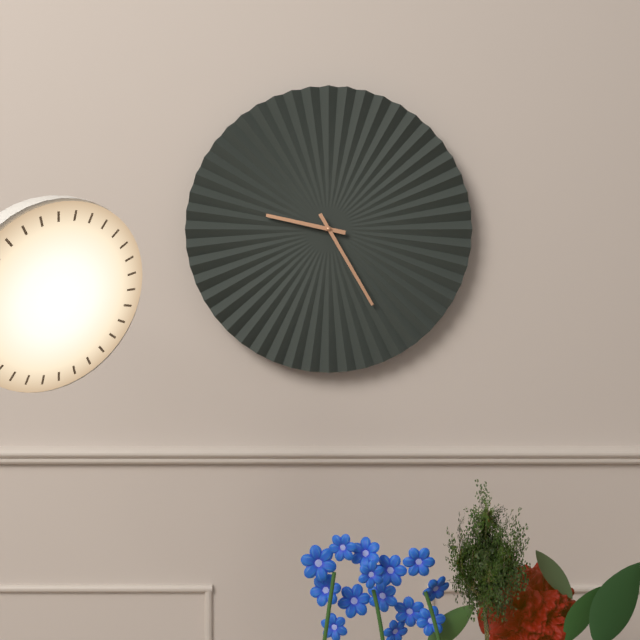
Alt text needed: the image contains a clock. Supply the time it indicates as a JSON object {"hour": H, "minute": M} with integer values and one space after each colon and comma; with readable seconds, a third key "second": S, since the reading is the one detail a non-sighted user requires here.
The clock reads {"hour": 9, "minute": 25}
